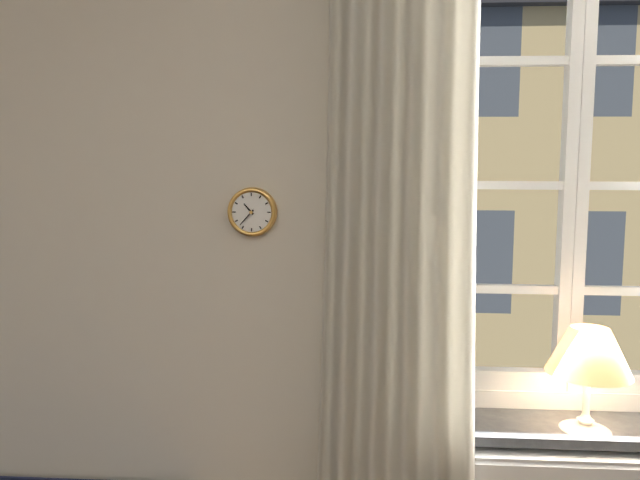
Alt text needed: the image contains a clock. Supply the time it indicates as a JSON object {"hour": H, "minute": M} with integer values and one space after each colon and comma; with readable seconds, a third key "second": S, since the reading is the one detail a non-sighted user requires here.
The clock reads {"hour": 10, "minute": 37}
